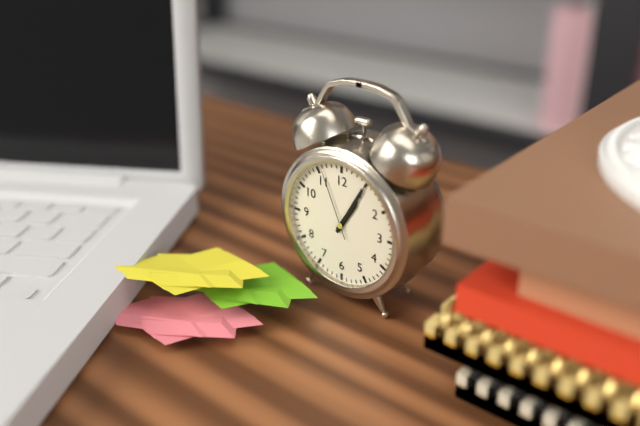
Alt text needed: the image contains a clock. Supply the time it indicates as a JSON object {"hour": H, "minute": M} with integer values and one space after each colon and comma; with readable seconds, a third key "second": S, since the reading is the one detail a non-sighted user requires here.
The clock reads {"hour": 1, "minute": 5, "second": 56}
